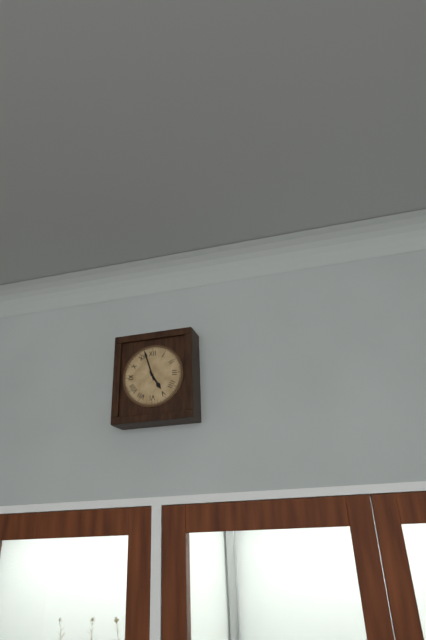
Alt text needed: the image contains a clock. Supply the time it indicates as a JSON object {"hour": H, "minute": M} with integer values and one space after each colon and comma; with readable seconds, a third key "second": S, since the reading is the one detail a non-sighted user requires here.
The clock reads {"hour": 4, "minute": 57}
